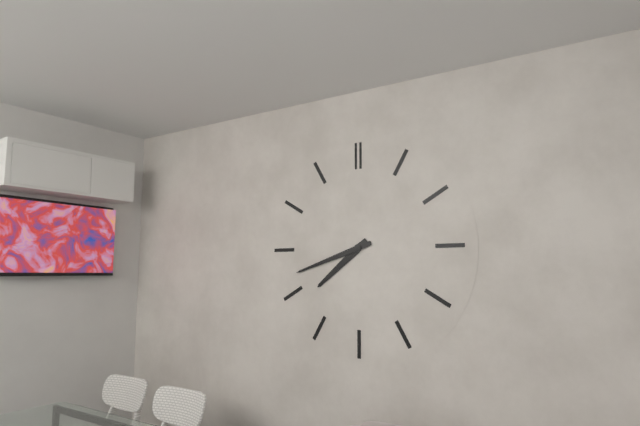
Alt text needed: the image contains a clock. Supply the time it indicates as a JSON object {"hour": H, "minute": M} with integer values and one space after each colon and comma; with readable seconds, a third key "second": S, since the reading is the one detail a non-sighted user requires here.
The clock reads {"hour": 7, "minute": 42}
